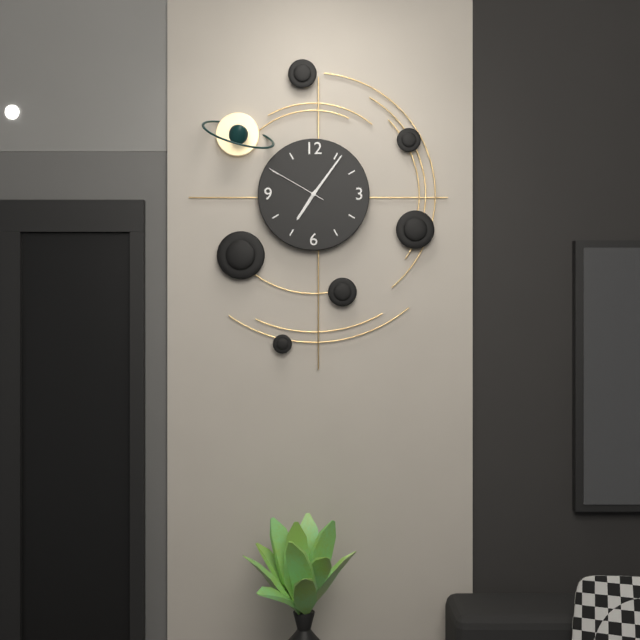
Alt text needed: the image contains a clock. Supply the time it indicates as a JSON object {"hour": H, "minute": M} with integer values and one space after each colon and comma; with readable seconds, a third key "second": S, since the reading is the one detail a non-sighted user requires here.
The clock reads {"hour": 7, "minute": 6, "second": 50}
